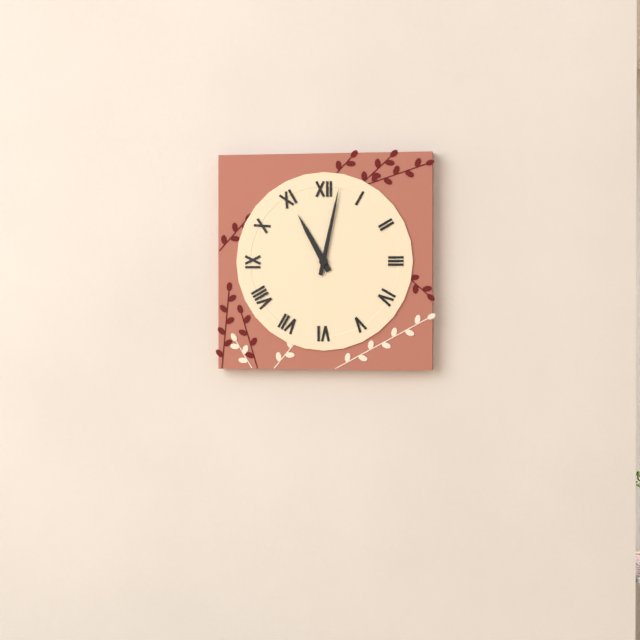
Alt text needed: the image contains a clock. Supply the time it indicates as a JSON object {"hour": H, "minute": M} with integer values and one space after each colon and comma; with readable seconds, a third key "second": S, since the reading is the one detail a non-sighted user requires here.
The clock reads {"hour": 11, "minute": 2}
